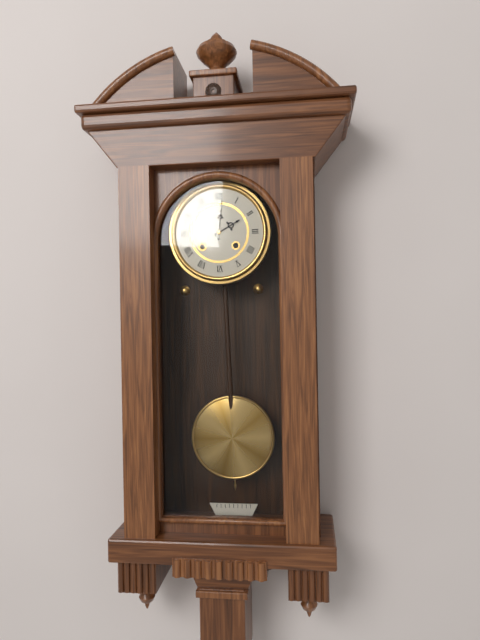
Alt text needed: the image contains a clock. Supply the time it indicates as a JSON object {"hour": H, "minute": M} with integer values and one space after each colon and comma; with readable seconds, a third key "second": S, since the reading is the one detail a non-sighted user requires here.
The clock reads {"hour": 2, "minute": 1}
